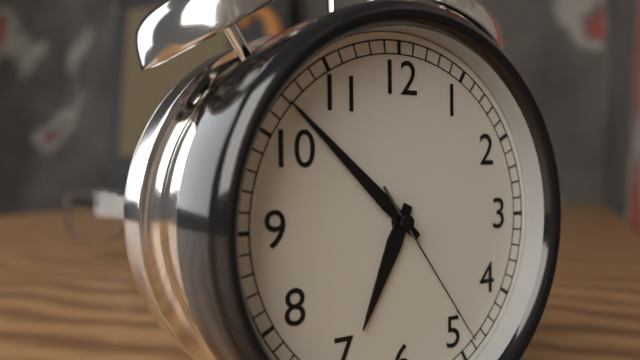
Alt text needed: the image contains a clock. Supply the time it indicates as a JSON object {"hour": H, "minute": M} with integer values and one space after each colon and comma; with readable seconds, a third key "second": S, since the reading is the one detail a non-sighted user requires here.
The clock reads {"hour": 6, "minute": 52, "second": 24}
